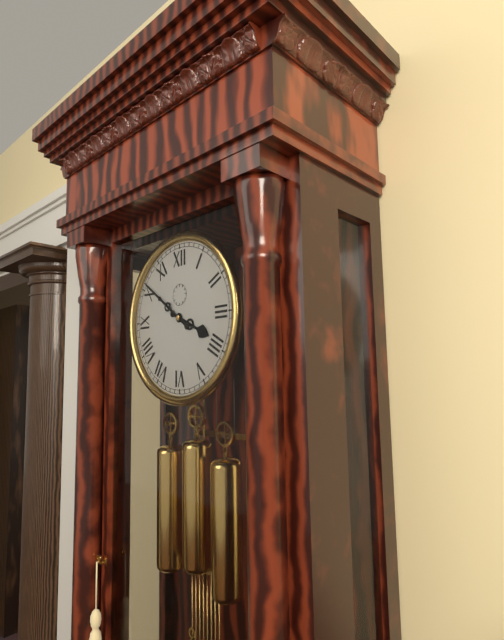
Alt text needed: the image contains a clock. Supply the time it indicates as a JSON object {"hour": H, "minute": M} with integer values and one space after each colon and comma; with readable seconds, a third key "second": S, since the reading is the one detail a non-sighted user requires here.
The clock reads {"hour": 3, "minute": 51}
